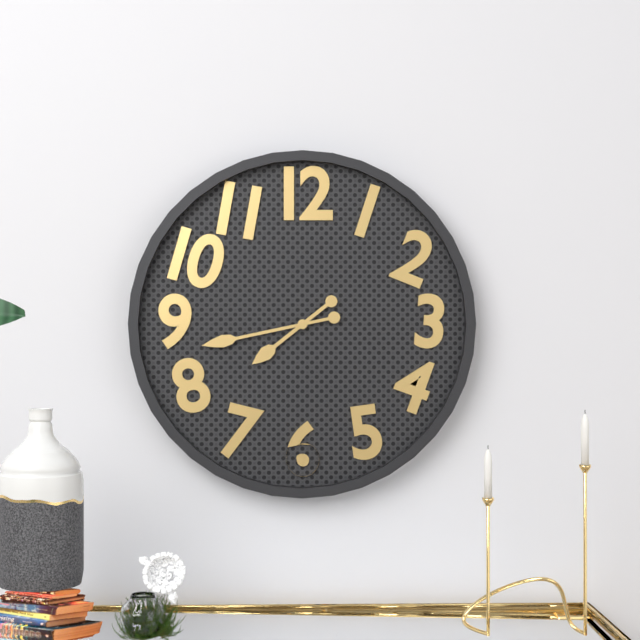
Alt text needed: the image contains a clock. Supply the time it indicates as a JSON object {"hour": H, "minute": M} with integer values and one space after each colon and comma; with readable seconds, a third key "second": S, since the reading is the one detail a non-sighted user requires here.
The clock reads {"hour": 7, "minute": 43}
